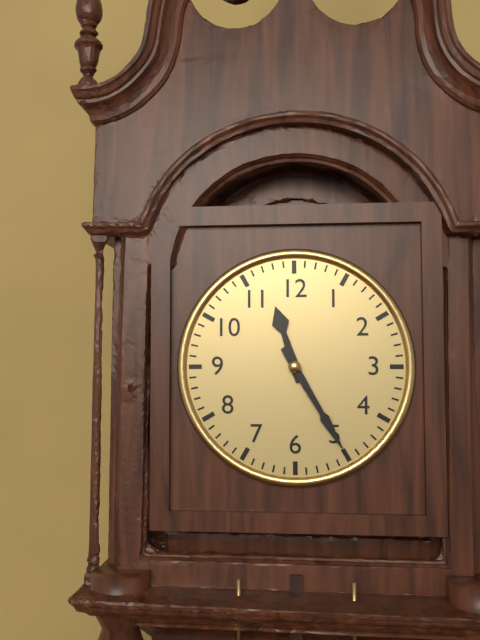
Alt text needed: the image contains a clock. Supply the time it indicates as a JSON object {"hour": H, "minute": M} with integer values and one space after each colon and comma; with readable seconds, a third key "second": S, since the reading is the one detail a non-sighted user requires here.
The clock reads {"hour": 11, "minute": 25}
